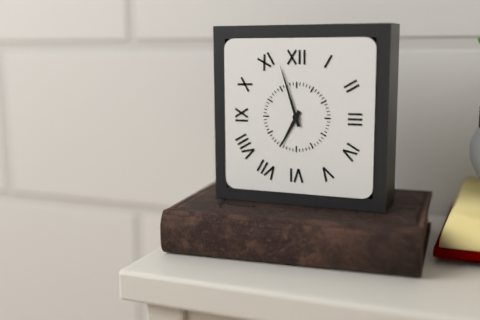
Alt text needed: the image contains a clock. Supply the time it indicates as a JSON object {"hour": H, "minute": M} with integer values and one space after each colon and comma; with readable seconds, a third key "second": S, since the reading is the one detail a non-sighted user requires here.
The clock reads {"hour": 6, "minute": 57}
